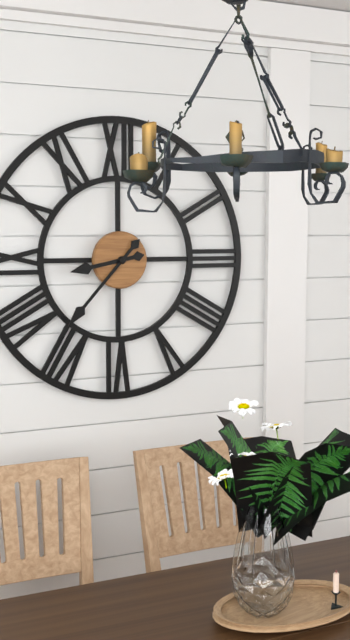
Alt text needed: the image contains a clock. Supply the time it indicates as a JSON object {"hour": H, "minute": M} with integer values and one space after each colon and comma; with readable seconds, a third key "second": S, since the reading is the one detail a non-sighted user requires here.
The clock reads {"hour": 8, "minute": 37}
